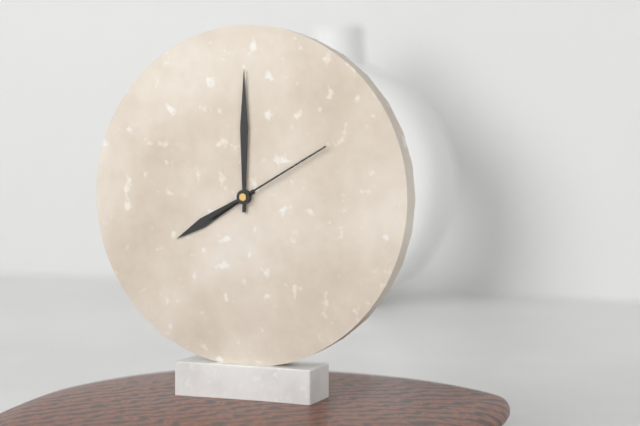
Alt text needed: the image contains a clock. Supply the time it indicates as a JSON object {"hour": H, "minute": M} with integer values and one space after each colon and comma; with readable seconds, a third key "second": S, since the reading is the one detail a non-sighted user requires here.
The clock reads {"hour": 8, "minute": 0, "second": 10}
